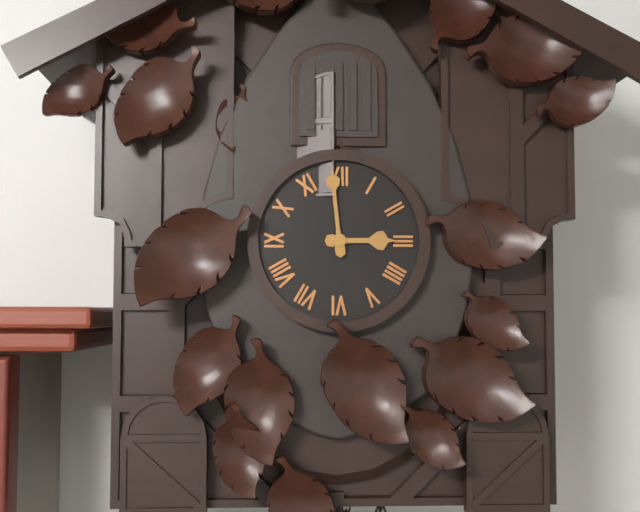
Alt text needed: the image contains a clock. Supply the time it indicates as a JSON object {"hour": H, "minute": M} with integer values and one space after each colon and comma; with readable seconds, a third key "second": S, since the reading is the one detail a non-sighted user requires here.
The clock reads {"hour": 2, "minute": 59}
